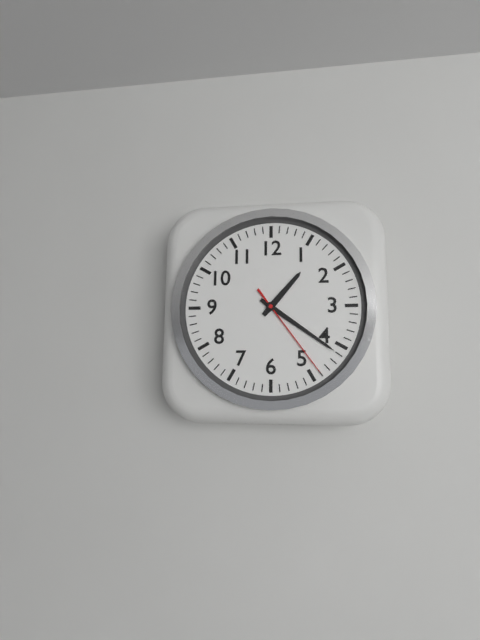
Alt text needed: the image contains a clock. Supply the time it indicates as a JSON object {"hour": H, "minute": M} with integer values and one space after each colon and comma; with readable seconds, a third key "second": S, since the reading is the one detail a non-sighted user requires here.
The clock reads {"hour": 1, "minute": 21, "second": 24}
